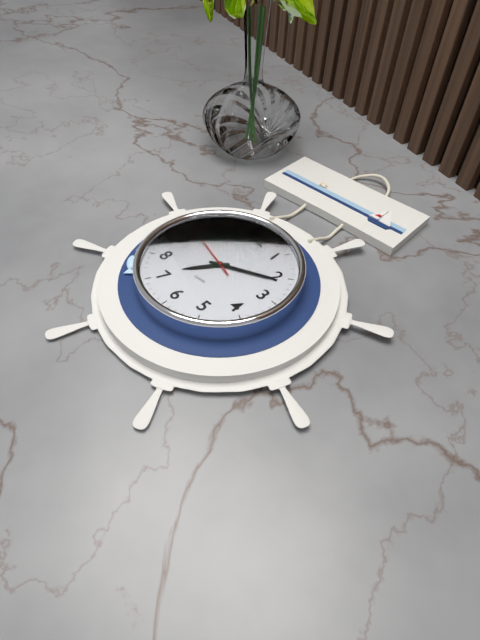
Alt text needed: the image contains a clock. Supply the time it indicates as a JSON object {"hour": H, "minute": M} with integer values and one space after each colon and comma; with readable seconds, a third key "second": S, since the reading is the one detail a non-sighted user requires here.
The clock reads {"hour": 7, "minute": 11, "second": 48}
